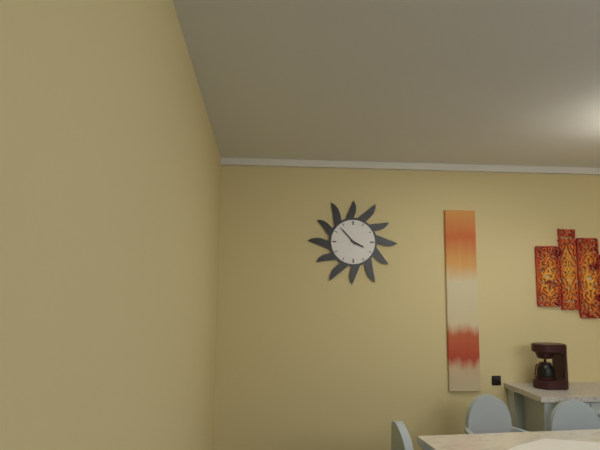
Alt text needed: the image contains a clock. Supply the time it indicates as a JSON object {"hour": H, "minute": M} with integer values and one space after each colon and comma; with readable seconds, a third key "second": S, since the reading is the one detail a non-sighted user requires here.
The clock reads {"hour": 3, "minute": 53}
